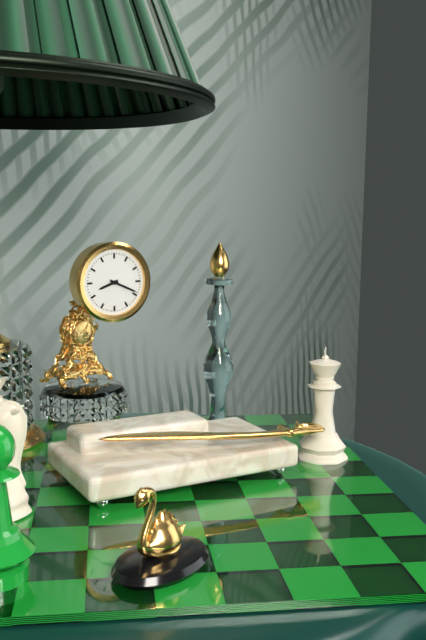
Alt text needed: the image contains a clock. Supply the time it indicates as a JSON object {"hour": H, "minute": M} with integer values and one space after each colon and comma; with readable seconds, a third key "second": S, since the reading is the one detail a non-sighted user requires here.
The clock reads {"hour": 8, "minute": 19}
